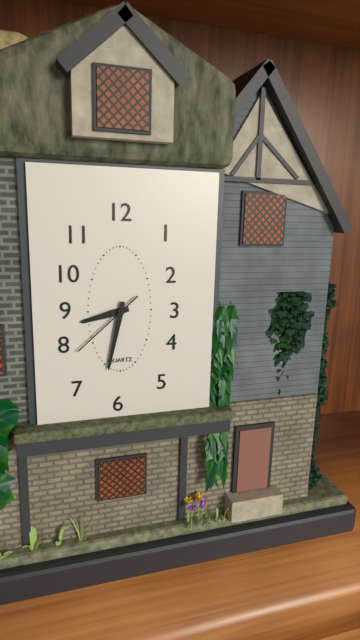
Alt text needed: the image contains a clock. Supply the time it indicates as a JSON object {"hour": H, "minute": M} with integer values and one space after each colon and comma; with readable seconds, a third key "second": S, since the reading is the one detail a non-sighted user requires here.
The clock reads {"hour": 8, "minute": 32, "second": 38}
